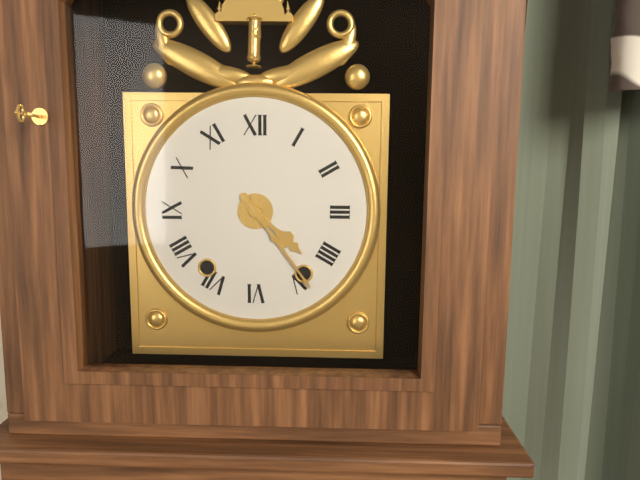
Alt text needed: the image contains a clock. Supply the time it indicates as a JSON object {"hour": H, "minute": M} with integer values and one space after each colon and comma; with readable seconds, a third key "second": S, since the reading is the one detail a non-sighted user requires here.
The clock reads {"hour": 4, "minute": 24}
